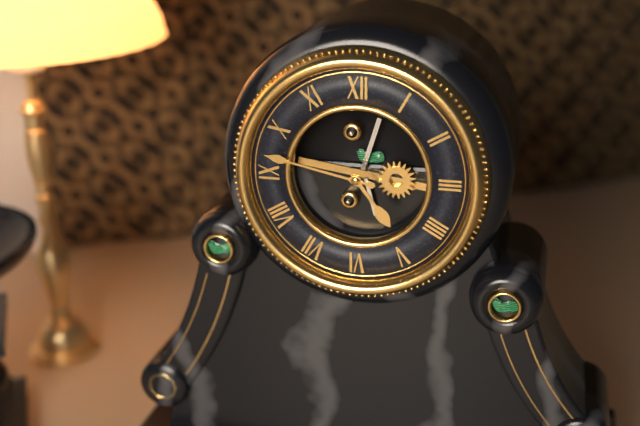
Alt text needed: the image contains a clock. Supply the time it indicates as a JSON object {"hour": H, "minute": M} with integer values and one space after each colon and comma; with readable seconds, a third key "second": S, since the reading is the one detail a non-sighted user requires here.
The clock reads {"hour": 4, "minute": 47}
